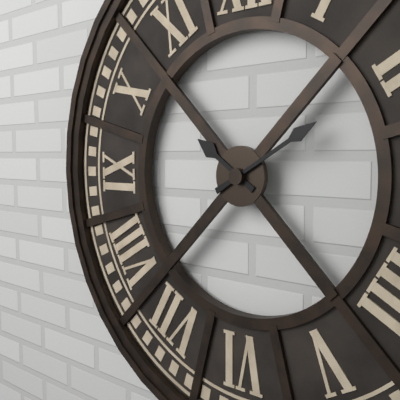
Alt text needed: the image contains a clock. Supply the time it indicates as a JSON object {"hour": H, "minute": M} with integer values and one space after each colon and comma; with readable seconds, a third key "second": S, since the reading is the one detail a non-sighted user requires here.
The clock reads {"hour": 10, "minute": 10}
